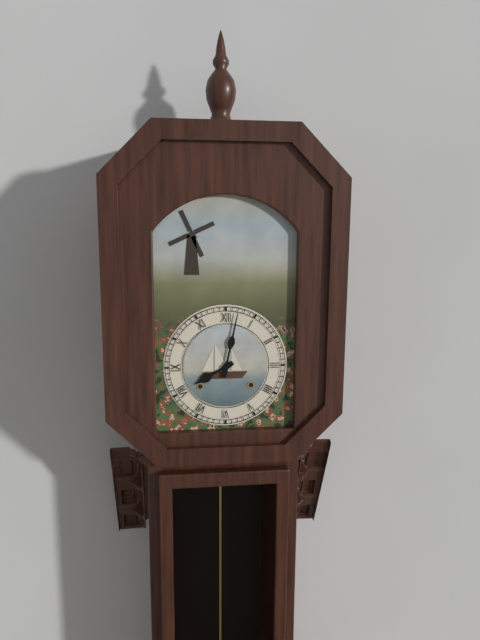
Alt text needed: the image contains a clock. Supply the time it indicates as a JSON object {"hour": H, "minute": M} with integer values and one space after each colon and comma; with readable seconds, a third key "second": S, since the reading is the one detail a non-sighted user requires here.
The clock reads {"hour": 8, "minute": 2}
